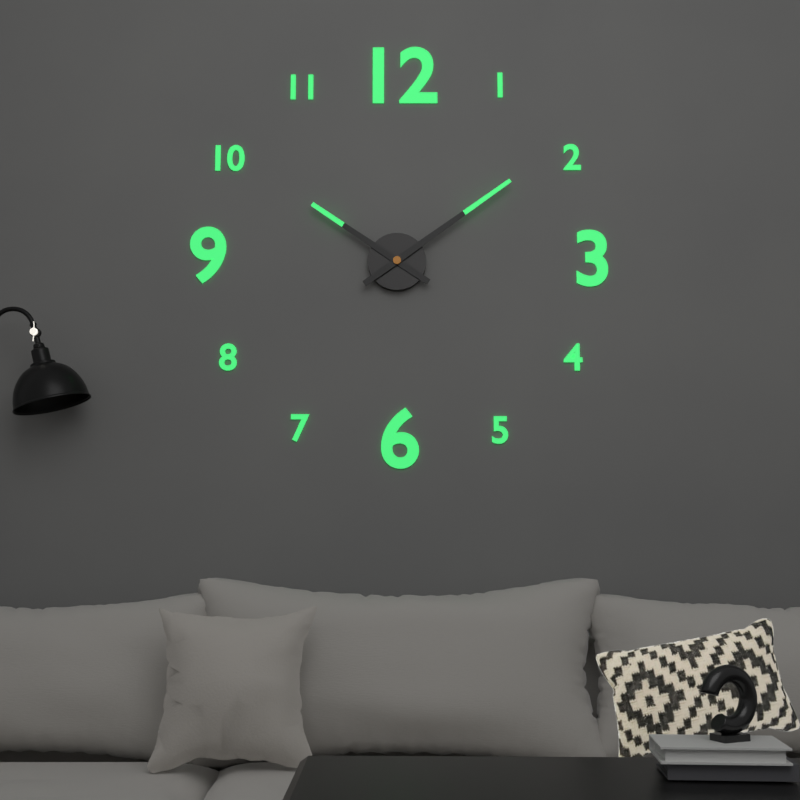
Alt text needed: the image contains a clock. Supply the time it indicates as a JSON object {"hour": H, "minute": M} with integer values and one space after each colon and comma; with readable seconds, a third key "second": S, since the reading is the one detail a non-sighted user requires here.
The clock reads {"hour": 10, "minute": 9}
